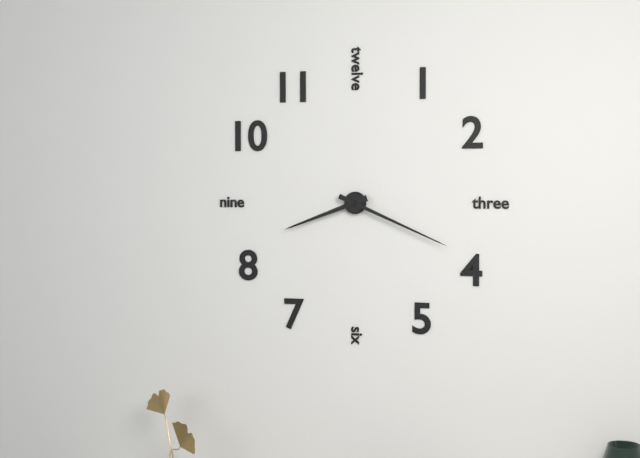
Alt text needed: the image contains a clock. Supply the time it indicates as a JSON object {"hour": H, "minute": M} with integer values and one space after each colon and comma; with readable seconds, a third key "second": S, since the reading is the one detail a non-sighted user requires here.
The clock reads {"hour": 8, "minute": 19}
